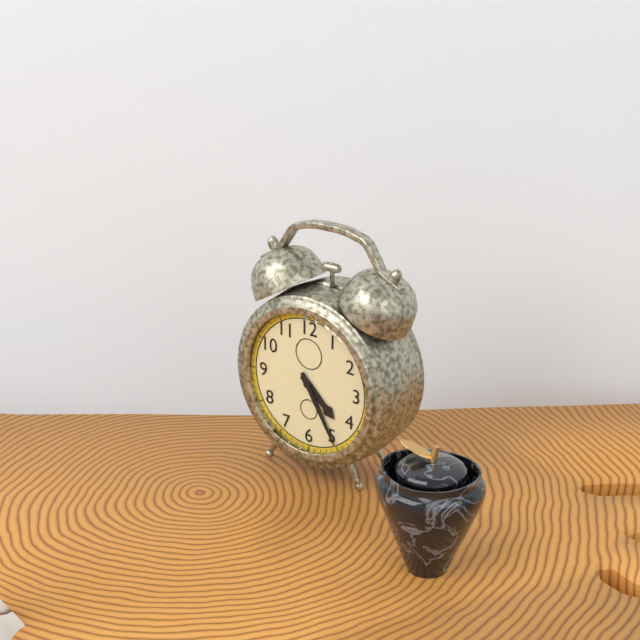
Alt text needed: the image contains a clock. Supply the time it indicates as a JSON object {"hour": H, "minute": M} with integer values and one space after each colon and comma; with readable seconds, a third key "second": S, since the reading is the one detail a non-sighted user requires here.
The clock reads {"hour": 4, "minute": 25}
